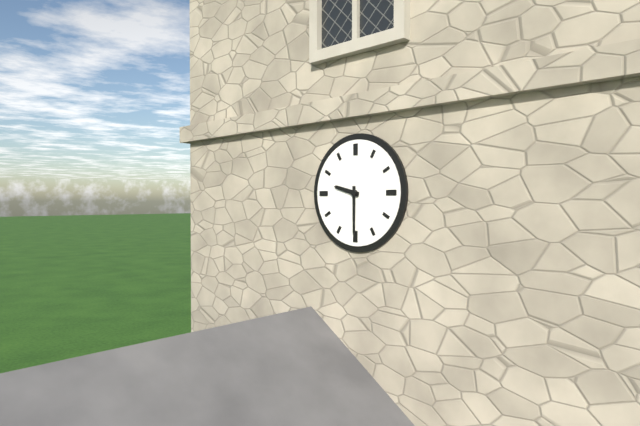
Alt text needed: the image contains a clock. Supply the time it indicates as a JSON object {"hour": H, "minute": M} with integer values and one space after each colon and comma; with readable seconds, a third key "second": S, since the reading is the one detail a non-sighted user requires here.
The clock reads {"hour": 9, "minute": 30}
